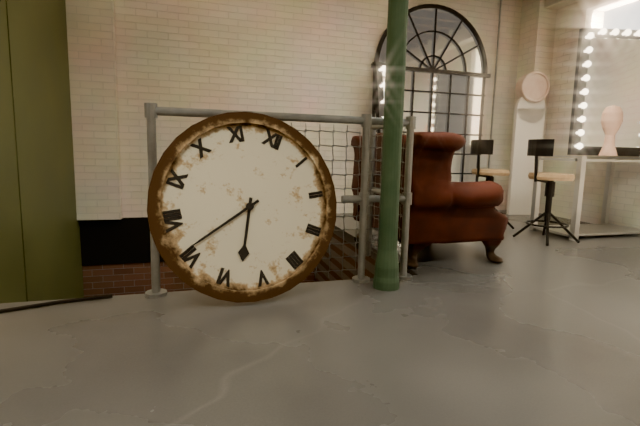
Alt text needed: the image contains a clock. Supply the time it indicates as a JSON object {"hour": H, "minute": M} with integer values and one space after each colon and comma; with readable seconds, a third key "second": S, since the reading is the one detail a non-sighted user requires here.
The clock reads {"hour": 5, "minute": 36}
